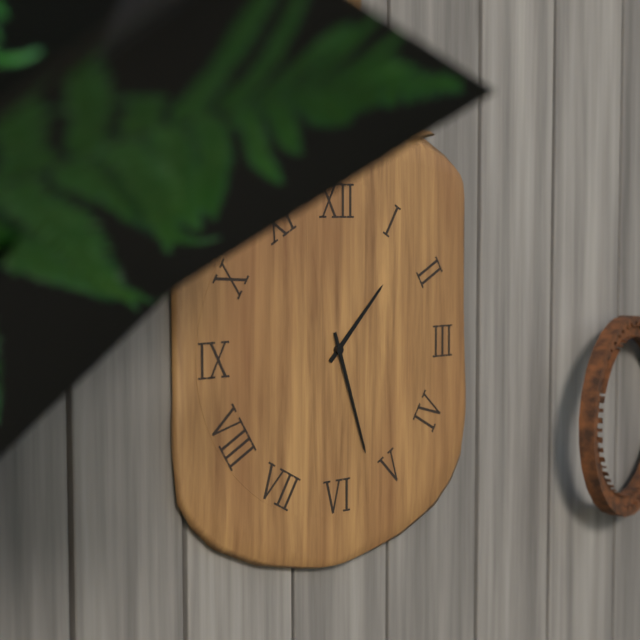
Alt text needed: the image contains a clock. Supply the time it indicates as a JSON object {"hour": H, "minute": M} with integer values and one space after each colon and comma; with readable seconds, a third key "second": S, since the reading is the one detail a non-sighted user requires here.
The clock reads {"hour": 1, "minute": 27}
